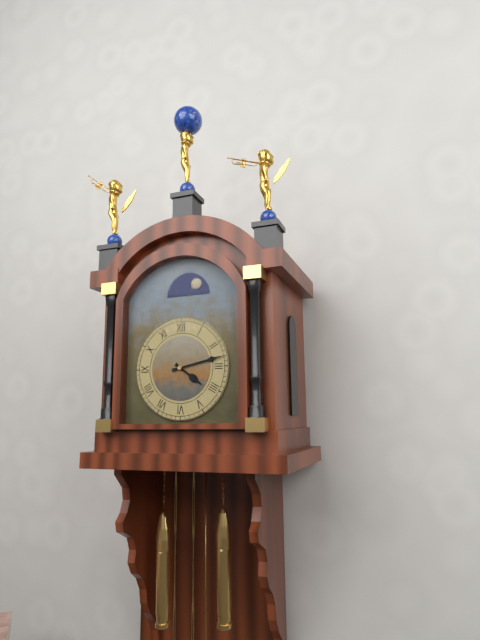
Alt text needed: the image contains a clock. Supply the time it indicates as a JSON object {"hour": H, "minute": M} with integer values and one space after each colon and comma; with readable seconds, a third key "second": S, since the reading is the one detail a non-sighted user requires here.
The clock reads {"hour": 4, "minute": 13}
